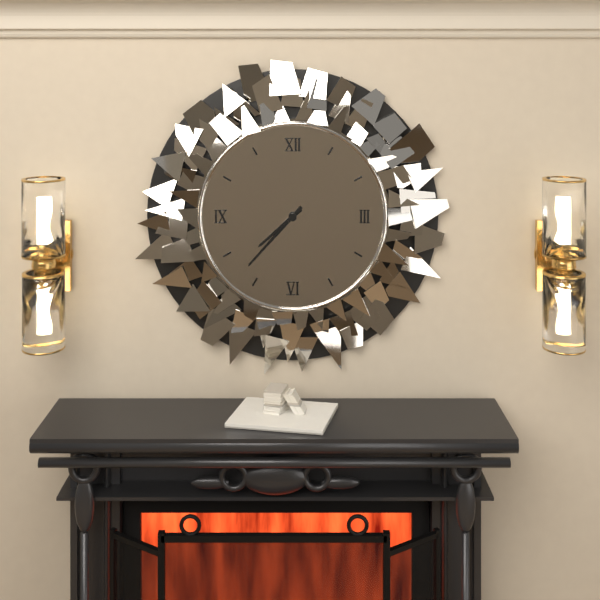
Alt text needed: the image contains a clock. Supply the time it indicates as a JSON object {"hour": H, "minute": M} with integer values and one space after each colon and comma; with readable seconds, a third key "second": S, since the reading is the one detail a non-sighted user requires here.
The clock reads {"hour": 7, "minute": 37}
